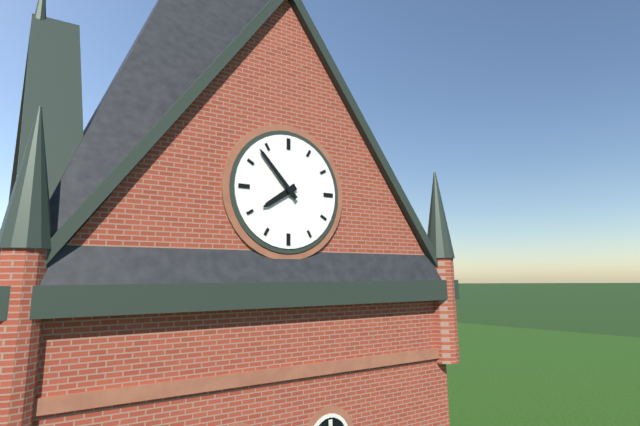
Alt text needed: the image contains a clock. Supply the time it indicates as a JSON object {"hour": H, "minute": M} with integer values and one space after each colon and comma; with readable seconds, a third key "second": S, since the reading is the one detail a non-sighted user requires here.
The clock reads {"hour": 7, "minute": 53}
